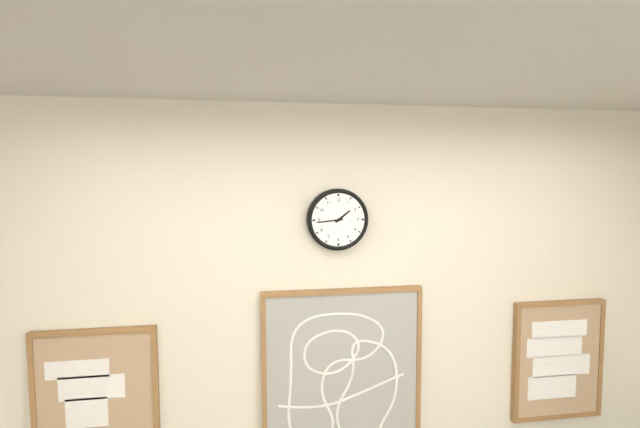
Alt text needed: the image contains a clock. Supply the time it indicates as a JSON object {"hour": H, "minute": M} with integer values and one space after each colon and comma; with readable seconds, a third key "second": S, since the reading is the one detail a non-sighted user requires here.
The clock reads {"hour": 1, "minute": 44}
